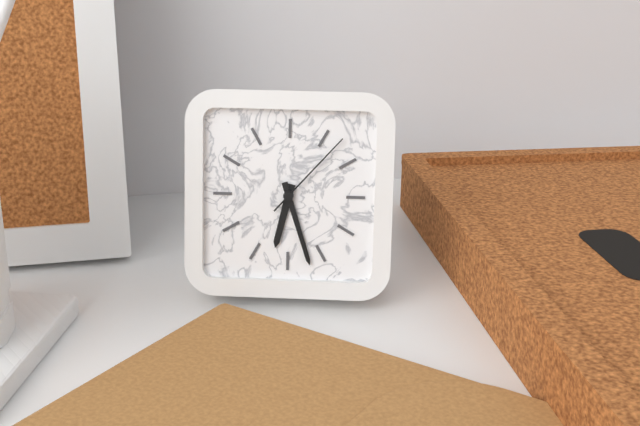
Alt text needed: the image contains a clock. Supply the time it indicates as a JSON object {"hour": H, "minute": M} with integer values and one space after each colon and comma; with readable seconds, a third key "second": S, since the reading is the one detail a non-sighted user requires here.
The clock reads {"hour": 6, "minute": 27, "second": 7}
